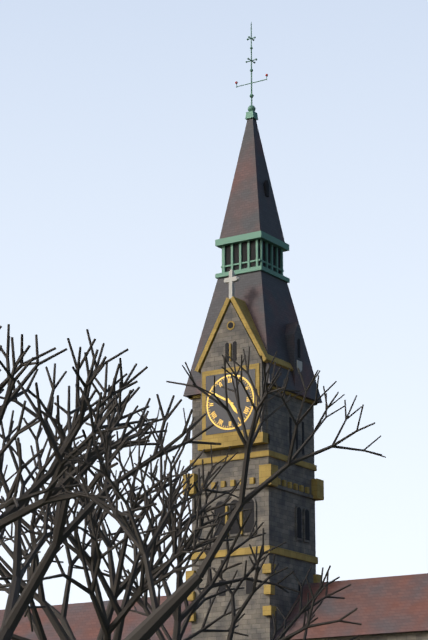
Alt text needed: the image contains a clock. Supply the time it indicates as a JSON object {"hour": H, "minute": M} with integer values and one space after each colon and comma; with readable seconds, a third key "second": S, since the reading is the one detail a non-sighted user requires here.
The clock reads {"hour": 4, "minute": 50}
